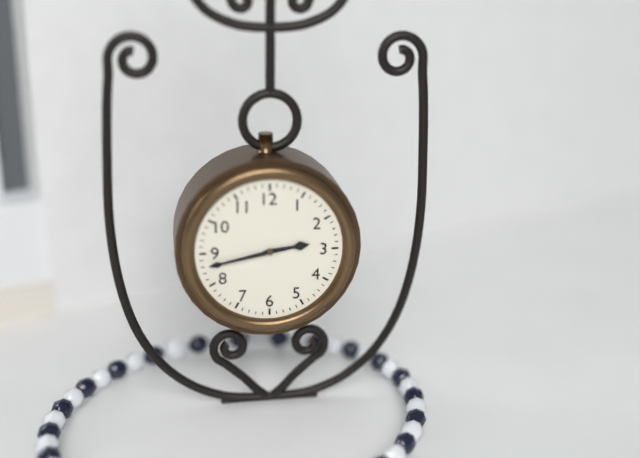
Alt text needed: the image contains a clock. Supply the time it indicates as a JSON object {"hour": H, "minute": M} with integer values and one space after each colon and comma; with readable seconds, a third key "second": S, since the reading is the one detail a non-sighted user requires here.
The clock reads {"hour": 2, "minute": 43}
